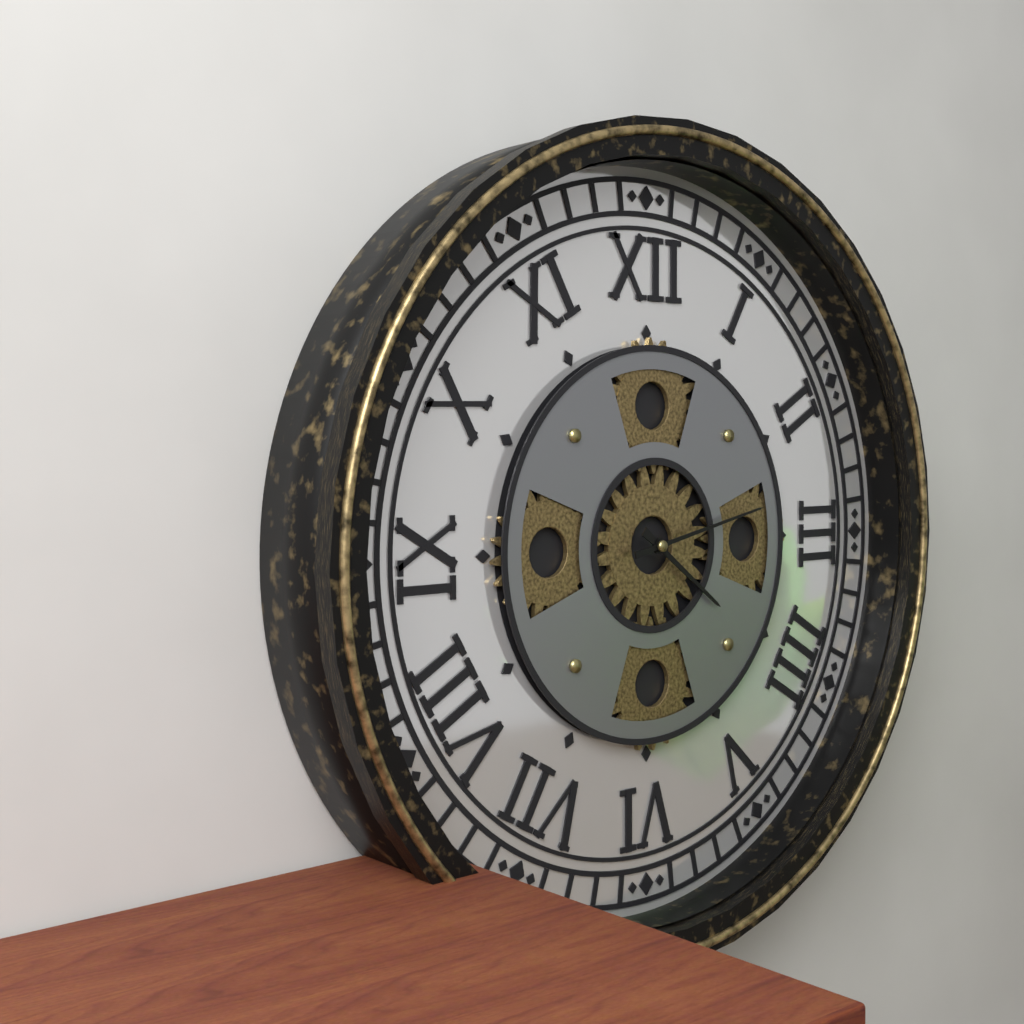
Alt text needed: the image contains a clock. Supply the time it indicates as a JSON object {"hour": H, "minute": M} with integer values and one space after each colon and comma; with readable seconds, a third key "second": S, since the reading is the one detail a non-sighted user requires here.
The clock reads {"hour": 4, "minute": 13}
